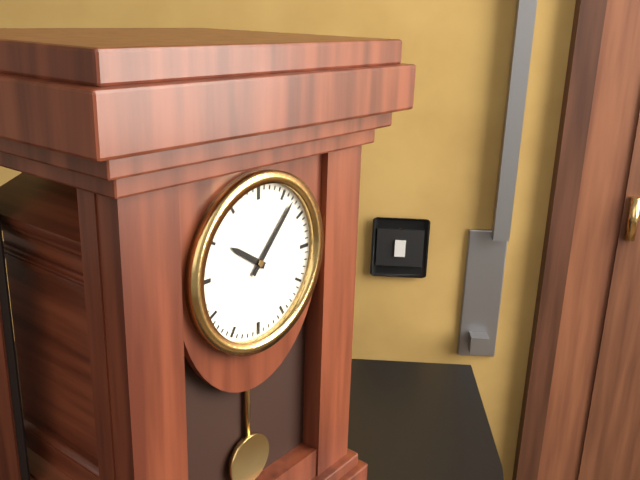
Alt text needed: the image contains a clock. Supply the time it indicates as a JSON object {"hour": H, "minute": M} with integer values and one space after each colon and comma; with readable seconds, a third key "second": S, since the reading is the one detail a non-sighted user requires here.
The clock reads {"hour": 10, "minute": 7}
